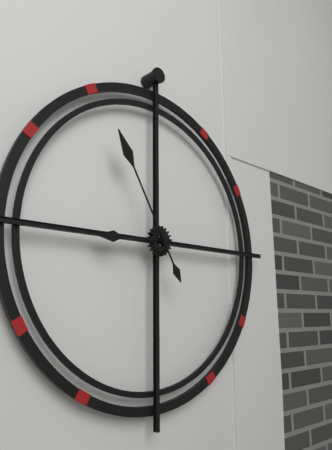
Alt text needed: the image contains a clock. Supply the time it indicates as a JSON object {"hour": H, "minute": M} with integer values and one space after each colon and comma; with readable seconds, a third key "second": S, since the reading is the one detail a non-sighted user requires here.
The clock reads {"hour": 8, "minute": 55}
